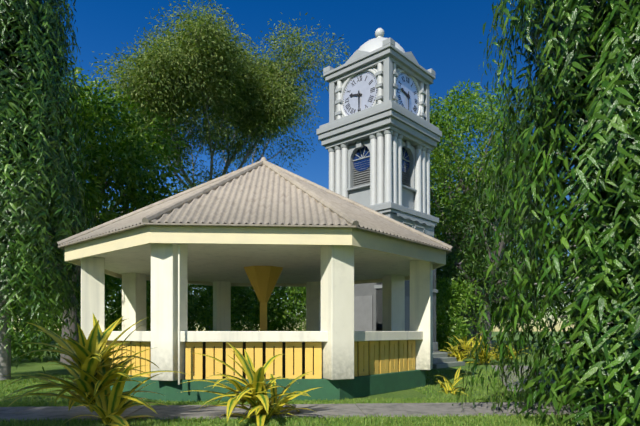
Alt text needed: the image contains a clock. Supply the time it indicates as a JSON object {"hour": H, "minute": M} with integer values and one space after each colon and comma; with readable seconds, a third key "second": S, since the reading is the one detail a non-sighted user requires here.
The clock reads {"hour": 9, "minute": 30}
